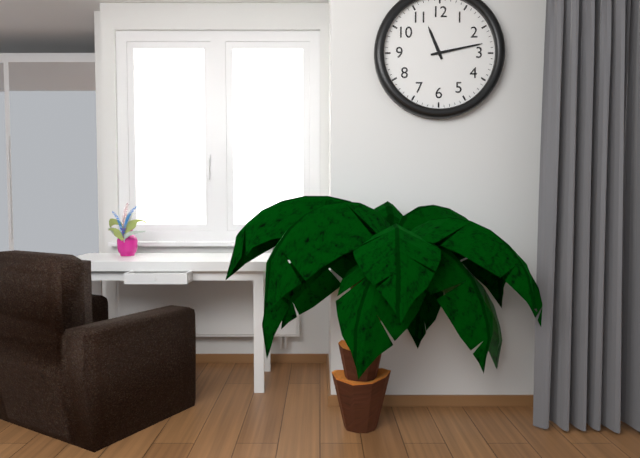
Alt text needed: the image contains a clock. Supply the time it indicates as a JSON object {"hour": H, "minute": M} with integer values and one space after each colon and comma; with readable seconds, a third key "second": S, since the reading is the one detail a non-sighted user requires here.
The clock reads {"hour": 11, "minute": 13}
